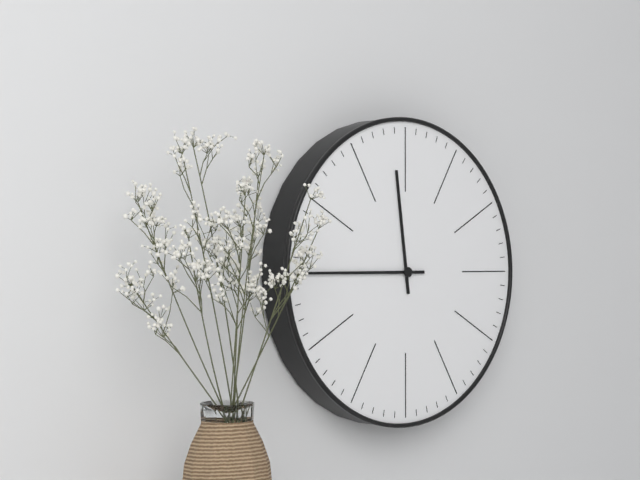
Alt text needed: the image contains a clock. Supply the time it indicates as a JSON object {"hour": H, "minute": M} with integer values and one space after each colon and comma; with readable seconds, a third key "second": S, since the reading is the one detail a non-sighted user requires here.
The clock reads {"hour": 11, "minute": 45}
